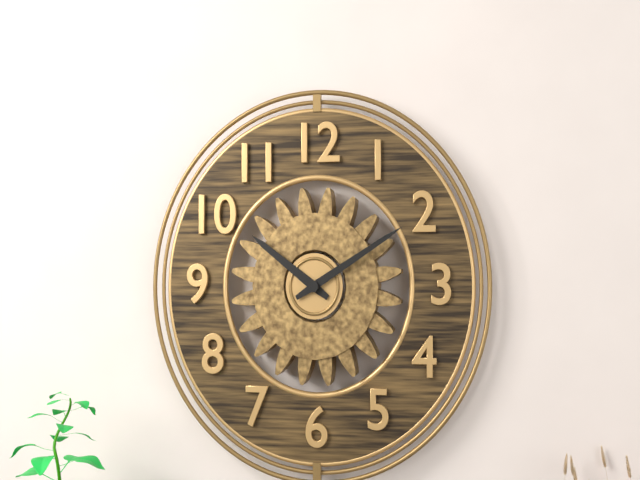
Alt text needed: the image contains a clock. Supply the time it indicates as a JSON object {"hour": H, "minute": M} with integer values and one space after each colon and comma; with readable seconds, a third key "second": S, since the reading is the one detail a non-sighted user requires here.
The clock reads {"hour": 10, "minute": 10}
